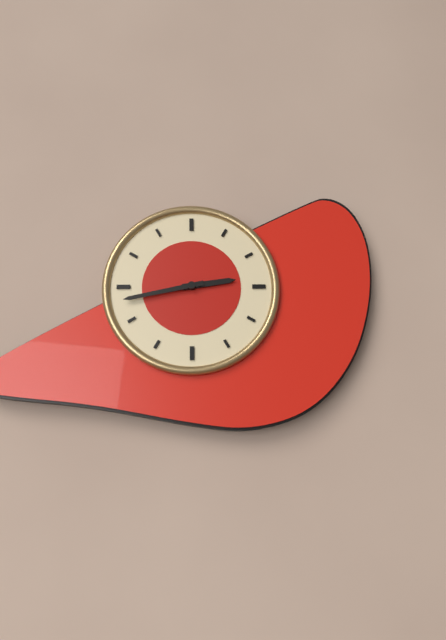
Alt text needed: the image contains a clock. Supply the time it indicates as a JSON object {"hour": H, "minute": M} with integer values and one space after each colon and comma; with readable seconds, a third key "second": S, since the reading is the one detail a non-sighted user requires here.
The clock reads {"hour": 2, "minute": 43}
